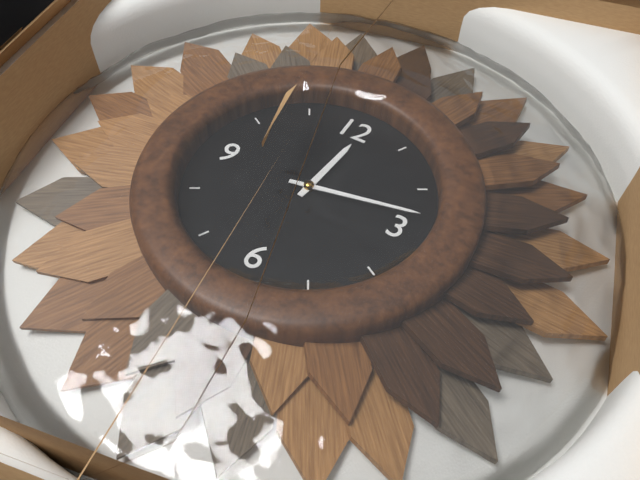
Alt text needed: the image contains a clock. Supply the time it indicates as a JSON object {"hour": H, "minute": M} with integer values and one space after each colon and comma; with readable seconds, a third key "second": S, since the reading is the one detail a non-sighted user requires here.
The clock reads {"hour": 12, "minute": 13}
